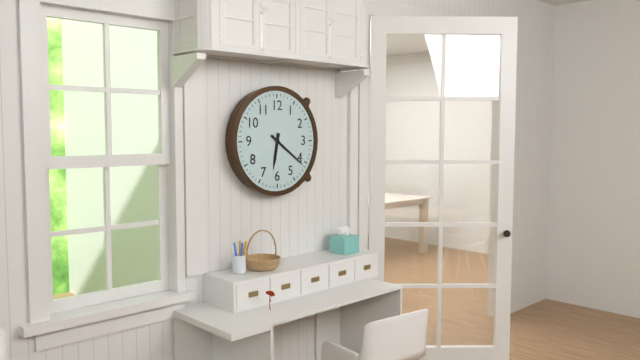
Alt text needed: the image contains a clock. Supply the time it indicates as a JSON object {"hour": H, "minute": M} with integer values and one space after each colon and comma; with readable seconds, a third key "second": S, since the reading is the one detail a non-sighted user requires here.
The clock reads {"hour": 6, "minute": 21}
